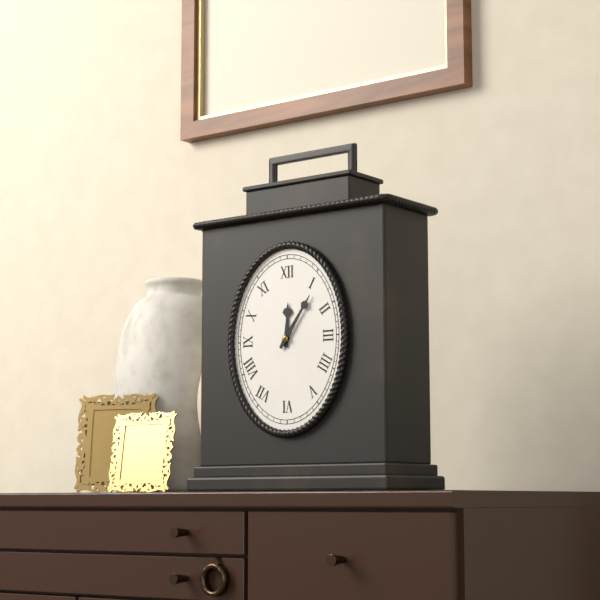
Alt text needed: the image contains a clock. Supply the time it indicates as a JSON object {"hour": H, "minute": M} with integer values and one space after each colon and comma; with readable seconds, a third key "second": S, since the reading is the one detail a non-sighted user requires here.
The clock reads {"hour": 12, "minute": 6}
